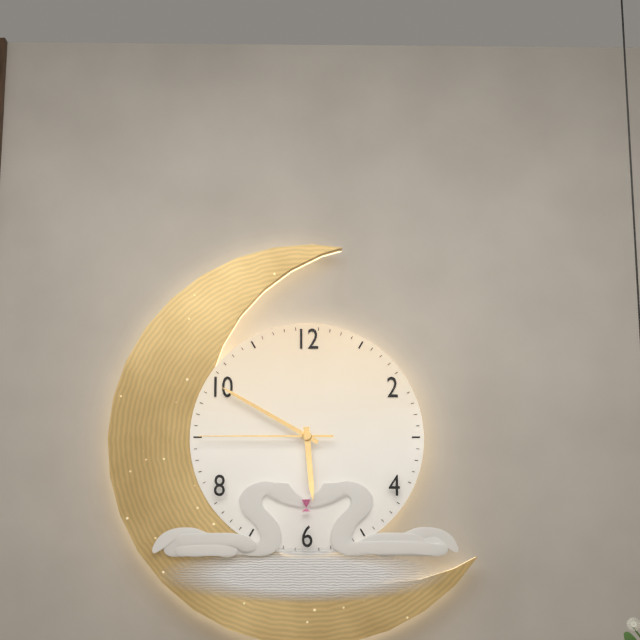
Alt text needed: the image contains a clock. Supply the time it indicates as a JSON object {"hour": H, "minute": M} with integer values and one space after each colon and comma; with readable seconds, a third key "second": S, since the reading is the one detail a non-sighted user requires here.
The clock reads {"hour": 5, "minute": 50, "second": 45}
